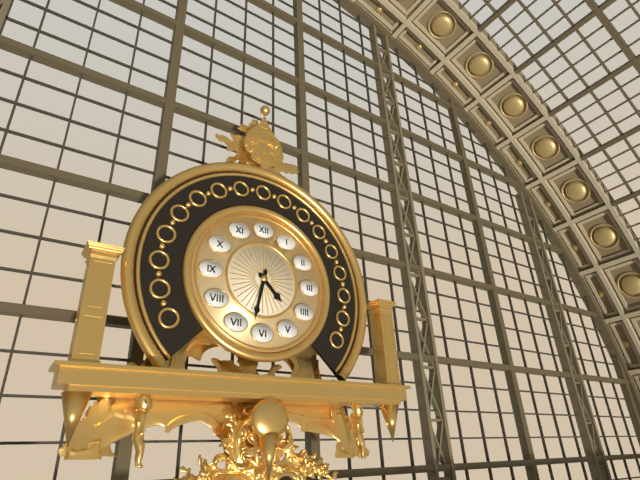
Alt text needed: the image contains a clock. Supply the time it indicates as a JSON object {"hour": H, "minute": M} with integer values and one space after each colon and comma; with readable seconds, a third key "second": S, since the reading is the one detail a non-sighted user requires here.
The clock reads {"hour": 4, "minute": 32}
